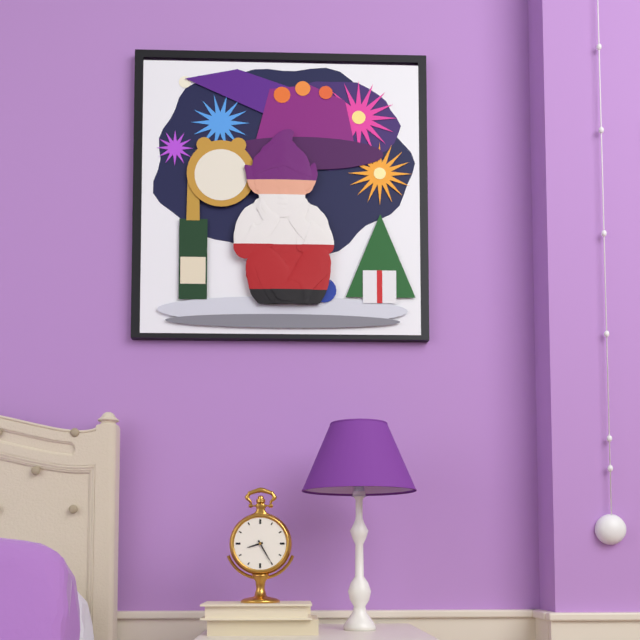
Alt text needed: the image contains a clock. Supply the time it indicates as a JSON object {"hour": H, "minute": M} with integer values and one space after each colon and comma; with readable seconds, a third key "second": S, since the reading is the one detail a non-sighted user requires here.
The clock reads {"hour": 8, "minute": 25}
